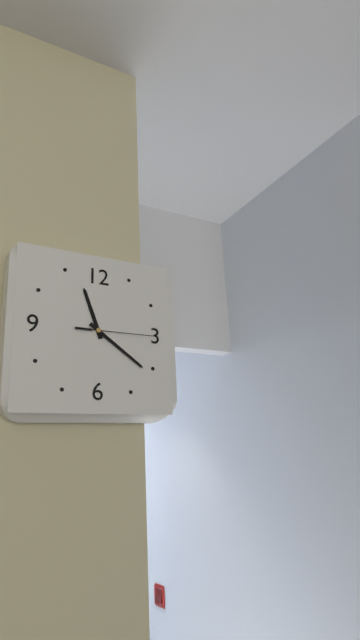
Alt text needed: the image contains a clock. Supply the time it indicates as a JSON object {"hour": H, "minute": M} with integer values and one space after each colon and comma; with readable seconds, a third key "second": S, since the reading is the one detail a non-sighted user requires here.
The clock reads {"hour": 11, "minute": 21, "second": 15}
